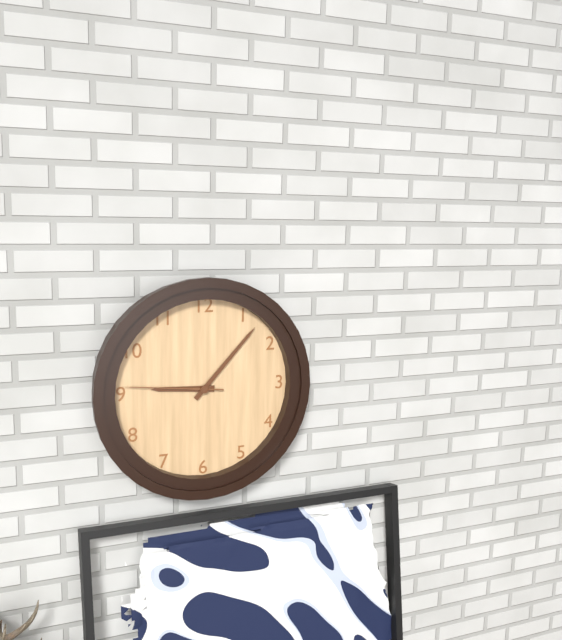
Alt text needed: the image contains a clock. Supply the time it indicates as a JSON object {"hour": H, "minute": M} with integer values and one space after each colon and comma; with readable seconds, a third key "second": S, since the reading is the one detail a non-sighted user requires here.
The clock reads {"hour": 9, "minute": 7, "second": 46}
